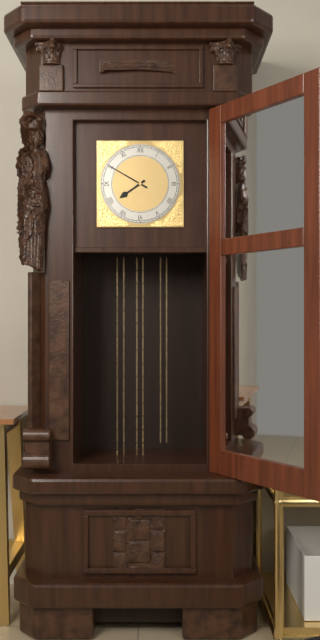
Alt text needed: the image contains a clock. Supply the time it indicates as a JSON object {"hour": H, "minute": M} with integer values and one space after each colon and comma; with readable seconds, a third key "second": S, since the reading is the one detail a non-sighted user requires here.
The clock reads {"hour": 7, "minute": 50}
